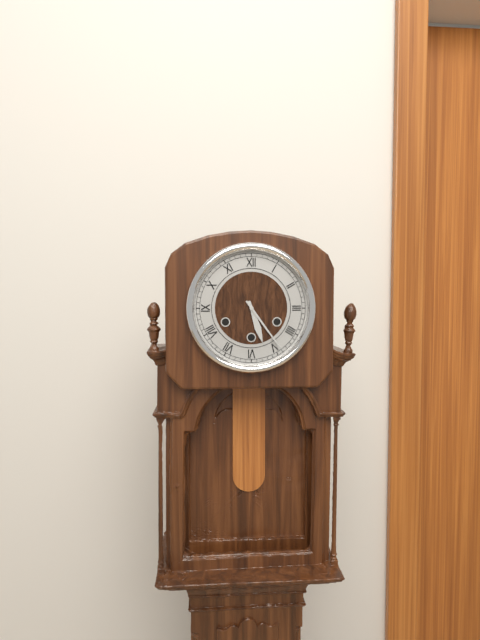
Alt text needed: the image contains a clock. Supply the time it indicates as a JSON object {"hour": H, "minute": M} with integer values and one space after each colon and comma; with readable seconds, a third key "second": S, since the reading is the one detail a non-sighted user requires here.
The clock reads {"hour": 5, "minute": 24}
